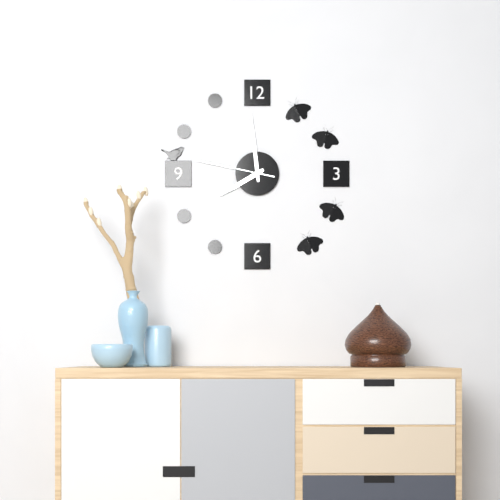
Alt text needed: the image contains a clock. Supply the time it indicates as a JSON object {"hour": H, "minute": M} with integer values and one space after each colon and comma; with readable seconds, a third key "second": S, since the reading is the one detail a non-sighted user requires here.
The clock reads {"hour": 7, "minute": 59, "second": 47}
